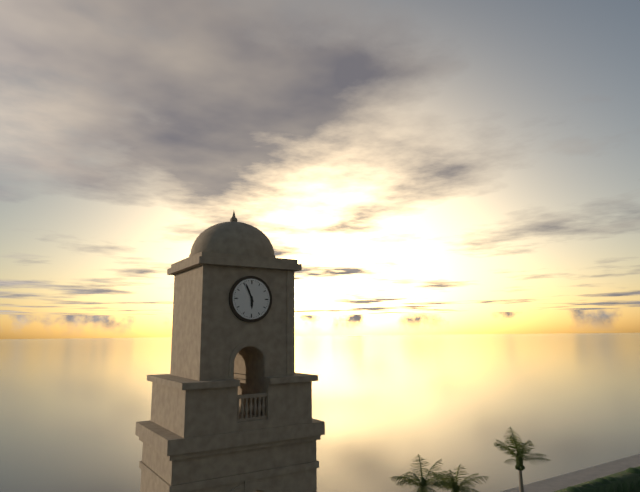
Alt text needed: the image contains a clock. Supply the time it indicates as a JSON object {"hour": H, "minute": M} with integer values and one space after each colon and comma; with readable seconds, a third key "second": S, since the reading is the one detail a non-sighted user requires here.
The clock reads {"hour": 5, "minute": 56}
